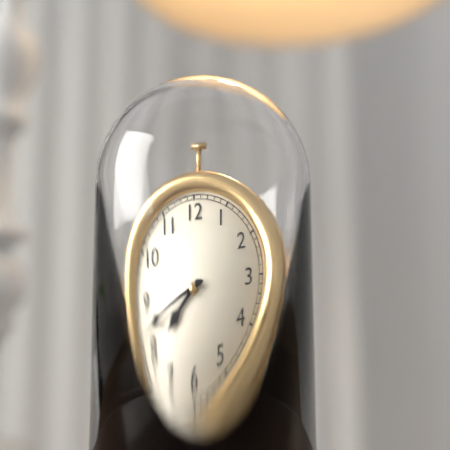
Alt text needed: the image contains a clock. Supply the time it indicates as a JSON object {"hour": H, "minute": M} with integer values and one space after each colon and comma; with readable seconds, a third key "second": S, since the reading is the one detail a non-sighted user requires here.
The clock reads {"hour": 7, "minute": 42}
